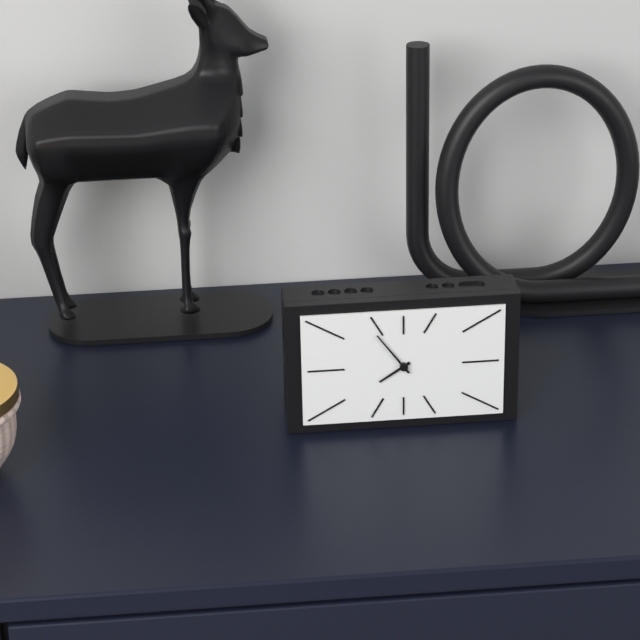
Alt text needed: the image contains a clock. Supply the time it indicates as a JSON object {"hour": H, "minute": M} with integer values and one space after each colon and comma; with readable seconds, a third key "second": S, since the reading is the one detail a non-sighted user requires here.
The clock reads {"hour": 7, "minute": 54}
